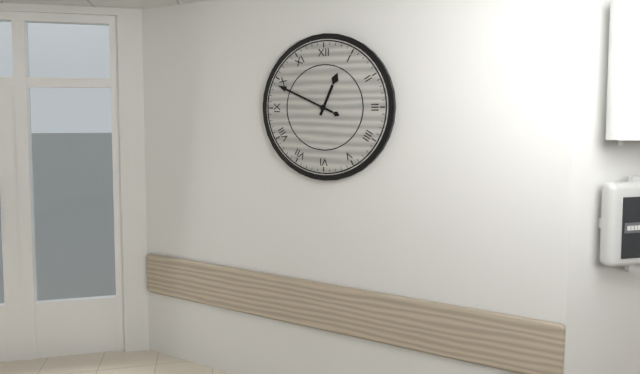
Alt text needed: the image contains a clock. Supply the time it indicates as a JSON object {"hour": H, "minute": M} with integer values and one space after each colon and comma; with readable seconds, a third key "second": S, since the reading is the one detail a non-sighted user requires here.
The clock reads {"hour": 12, "minute": 49}
